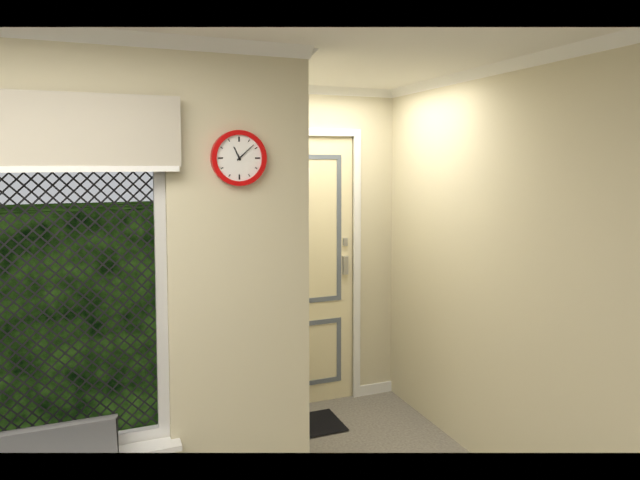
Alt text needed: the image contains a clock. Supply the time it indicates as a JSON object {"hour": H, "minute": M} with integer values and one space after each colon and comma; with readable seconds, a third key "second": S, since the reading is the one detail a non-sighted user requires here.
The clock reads {"hour": 11, "minute": 8}
